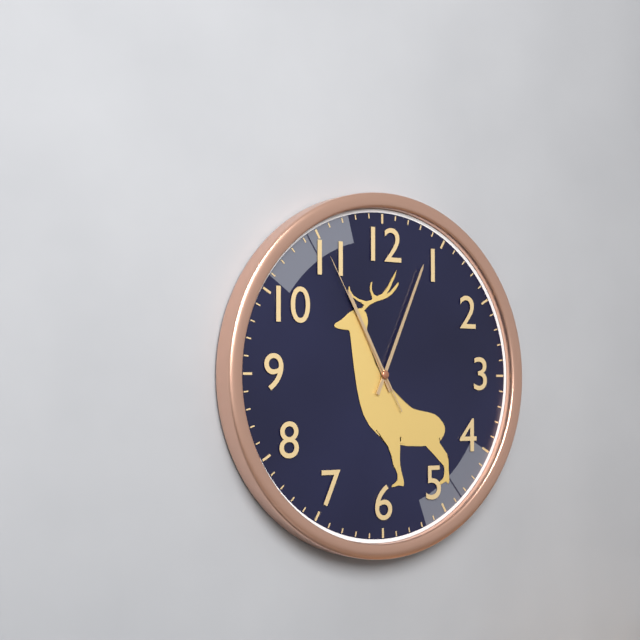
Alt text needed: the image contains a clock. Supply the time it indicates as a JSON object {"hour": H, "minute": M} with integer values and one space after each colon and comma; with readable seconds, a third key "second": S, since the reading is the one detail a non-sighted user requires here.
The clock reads {"hour": 11, "minute": 4, "second": 55}
